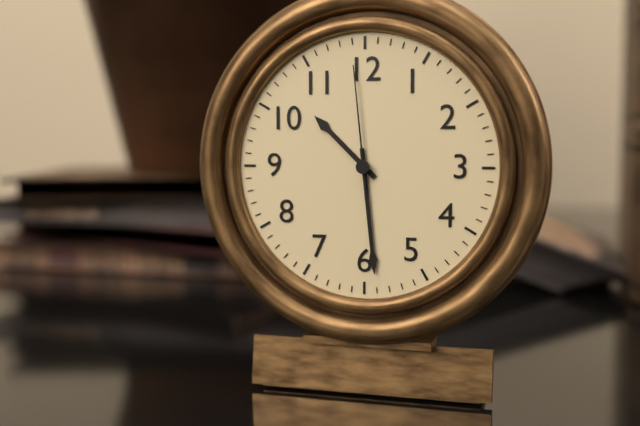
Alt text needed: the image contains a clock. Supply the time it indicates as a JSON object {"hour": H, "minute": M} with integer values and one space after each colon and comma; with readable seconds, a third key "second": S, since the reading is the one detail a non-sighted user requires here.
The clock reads {"hour": 10, "minute": 29, "second": 59}
